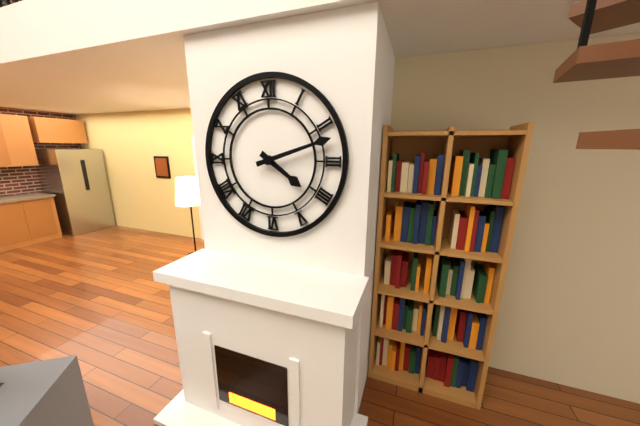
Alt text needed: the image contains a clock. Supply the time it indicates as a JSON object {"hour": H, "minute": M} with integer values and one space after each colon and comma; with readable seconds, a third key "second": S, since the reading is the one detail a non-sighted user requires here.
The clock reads {"hour": 4, "minute": 12}
